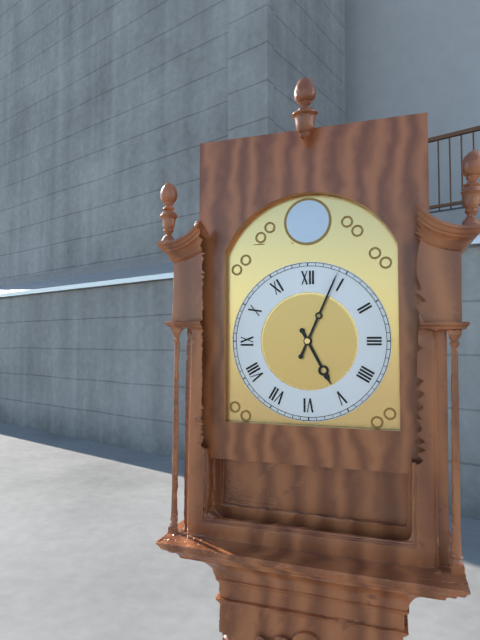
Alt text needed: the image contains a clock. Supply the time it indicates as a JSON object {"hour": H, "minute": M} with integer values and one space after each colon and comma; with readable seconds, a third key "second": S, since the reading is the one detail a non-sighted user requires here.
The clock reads {"hour": 5, "minute": 4}
